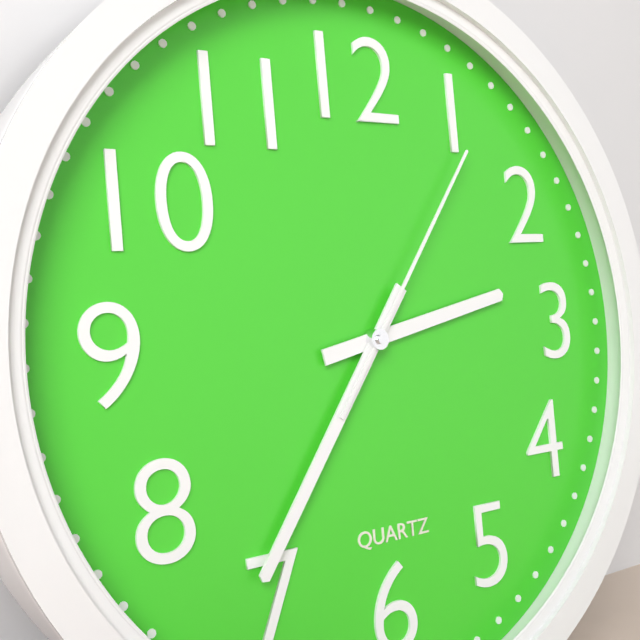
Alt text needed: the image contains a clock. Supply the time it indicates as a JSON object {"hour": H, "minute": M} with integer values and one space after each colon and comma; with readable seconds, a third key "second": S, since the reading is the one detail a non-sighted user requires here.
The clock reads {"hour": 2, "minute": 36, "second": 6}
